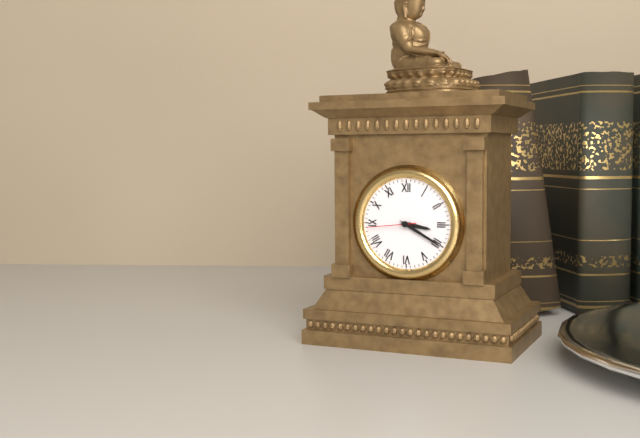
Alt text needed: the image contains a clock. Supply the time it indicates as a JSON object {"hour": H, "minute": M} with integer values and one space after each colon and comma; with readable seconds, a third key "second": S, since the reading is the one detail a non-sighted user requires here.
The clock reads {"hour": 3, "minute": 20}
